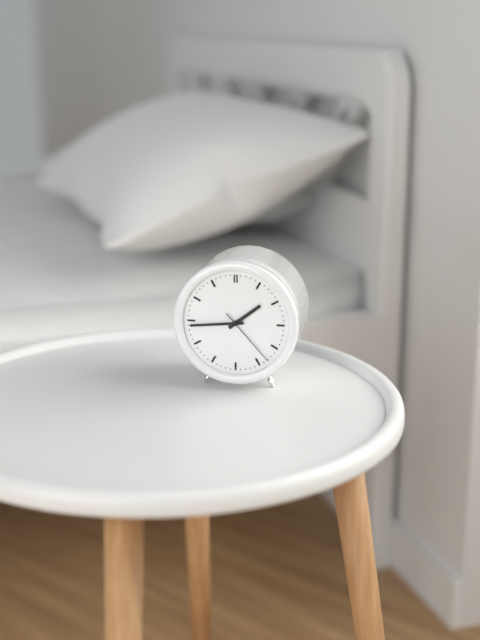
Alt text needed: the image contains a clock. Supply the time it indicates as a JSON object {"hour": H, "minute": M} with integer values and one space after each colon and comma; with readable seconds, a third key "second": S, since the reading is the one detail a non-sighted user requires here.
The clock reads {"hour": 1, "minute": 44, "second": 23}
